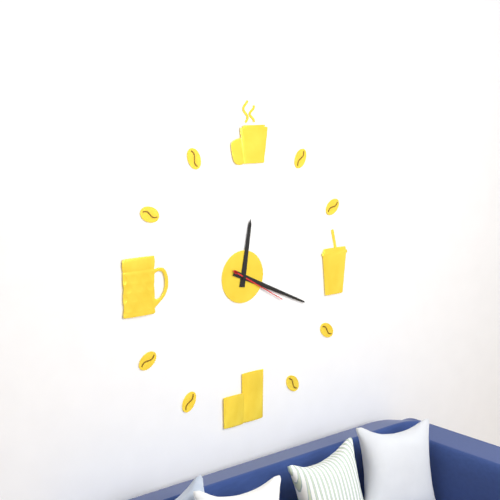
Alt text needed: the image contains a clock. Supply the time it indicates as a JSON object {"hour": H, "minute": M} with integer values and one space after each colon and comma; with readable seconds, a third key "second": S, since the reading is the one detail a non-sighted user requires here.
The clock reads {"hour": 12, "minute": 19, "second": 20}
